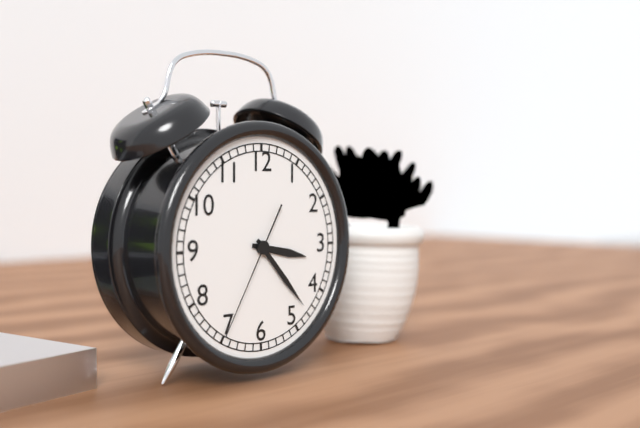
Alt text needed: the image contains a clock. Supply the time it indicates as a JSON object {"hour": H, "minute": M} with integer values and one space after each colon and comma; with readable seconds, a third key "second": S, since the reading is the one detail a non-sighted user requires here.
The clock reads {"hour": 3, "minute": 23, "second": 35}
